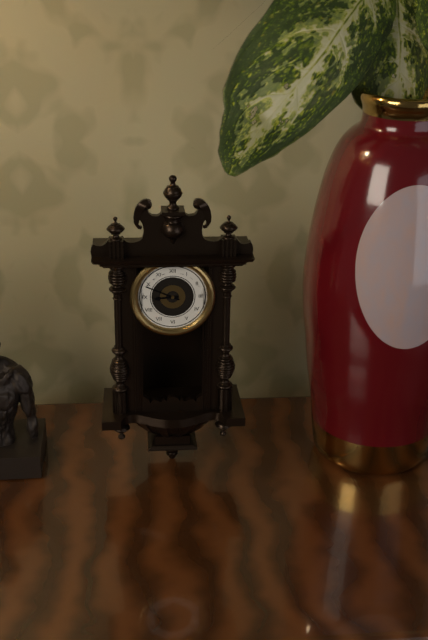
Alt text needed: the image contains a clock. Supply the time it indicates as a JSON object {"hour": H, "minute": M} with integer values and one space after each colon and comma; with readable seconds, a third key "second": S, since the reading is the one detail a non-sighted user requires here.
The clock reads {"hour": 8, "minute": 49}
